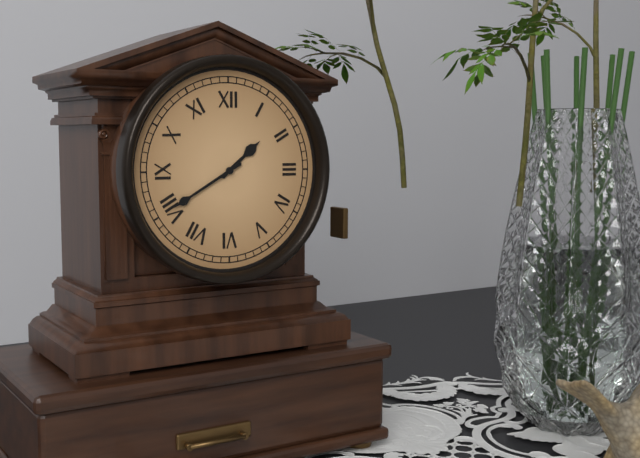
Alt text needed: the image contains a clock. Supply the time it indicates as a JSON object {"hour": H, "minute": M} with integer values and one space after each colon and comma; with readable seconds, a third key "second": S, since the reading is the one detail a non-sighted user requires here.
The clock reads {"hour": 1, "minute": 40}
